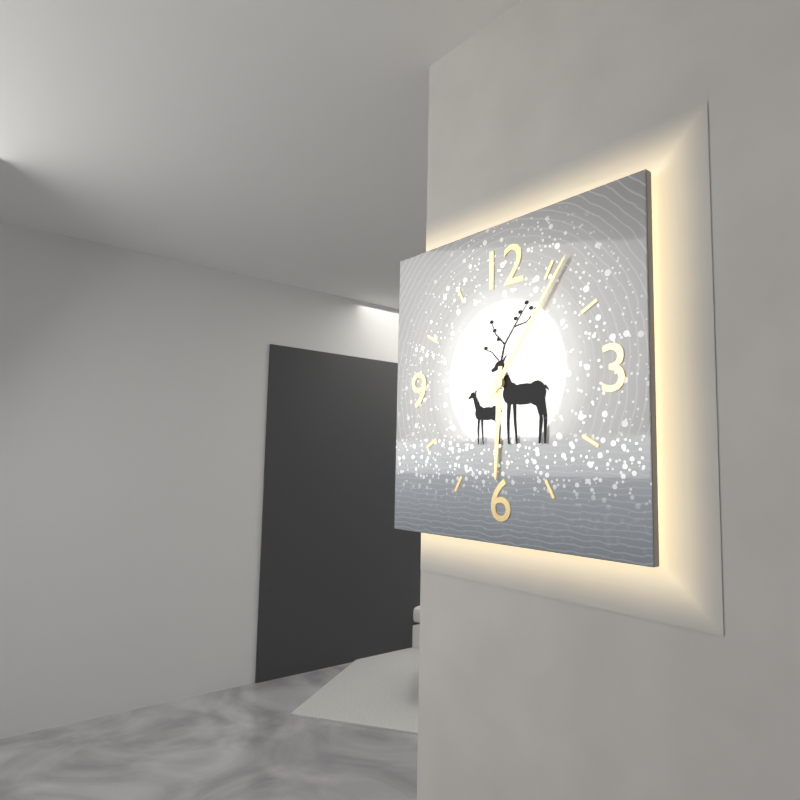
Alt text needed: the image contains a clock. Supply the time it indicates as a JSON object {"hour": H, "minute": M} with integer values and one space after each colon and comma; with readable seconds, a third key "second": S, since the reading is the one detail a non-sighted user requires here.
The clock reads {"hour": 6, "minute": 6}
